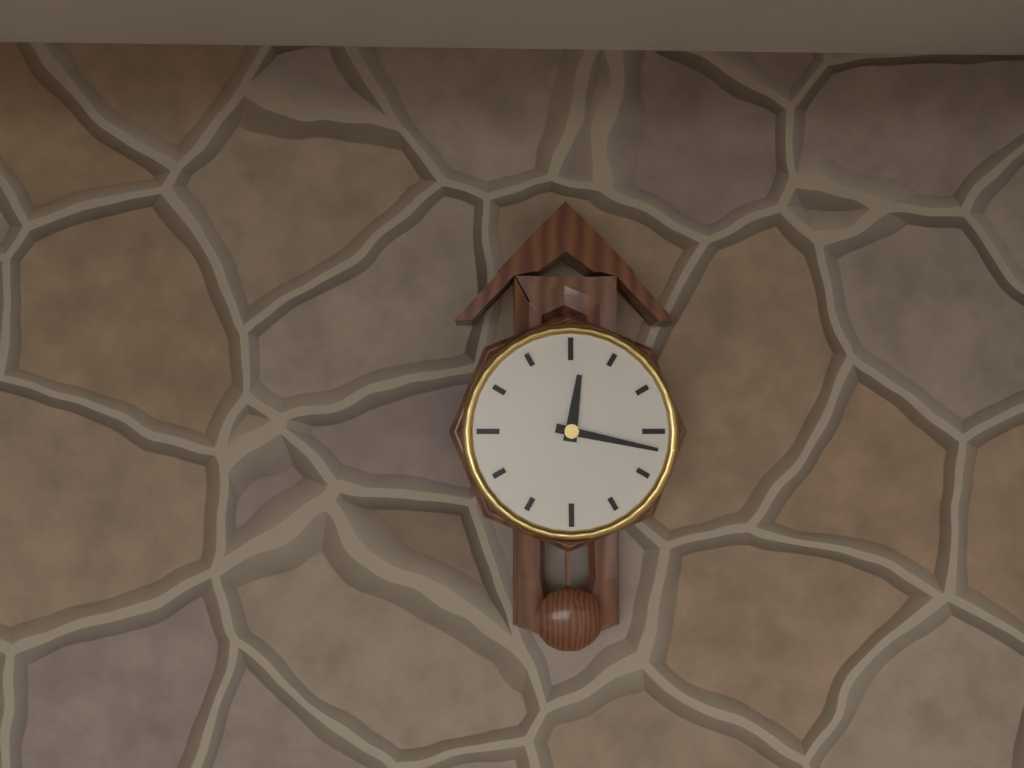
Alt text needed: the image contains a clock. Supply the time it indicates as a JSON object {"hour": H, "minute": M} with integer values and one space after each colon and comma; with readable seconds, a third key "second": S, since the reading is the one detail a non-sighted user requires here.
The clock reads {"hour": 12, "minute": 17}
